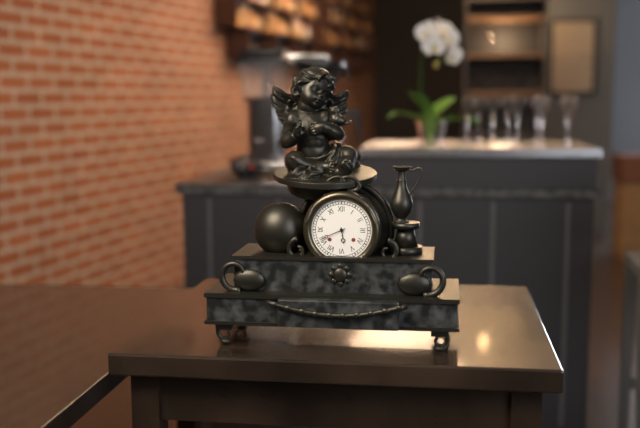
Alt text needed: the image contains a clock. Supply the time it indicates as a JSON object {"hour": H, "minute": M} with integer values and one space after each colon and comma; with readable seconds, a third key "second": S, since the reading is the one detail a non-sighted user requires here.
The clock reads {"hour": 5, "minute": 41}
